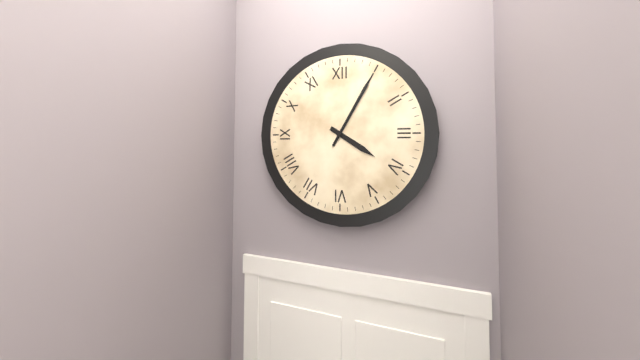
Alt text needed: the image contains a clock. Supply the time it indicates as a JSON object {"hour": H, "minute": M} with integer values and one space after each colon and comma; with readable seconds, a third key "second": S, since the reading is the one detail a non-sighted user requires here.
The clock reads {"hour": 4, "minute": 5}
